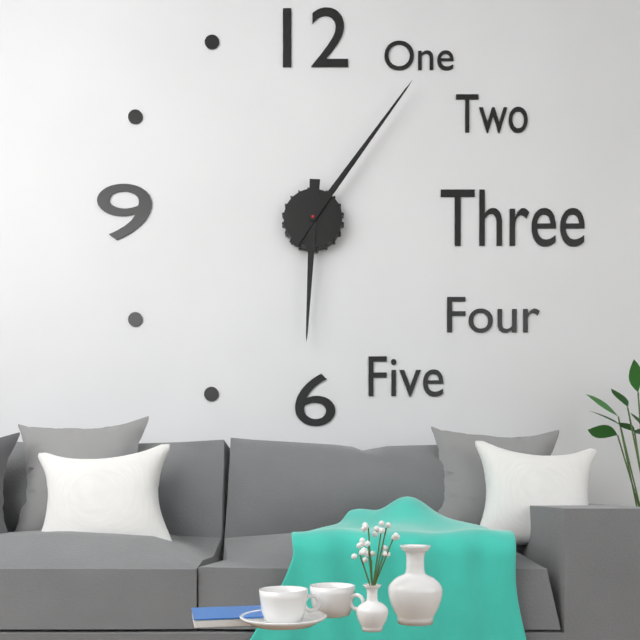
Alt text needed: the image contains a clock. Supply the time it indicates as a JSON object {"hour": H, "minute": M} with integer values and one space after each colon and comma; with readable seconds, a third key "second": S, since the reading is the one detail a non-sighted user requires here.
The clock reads {"hour": 6, "minute": 6}
